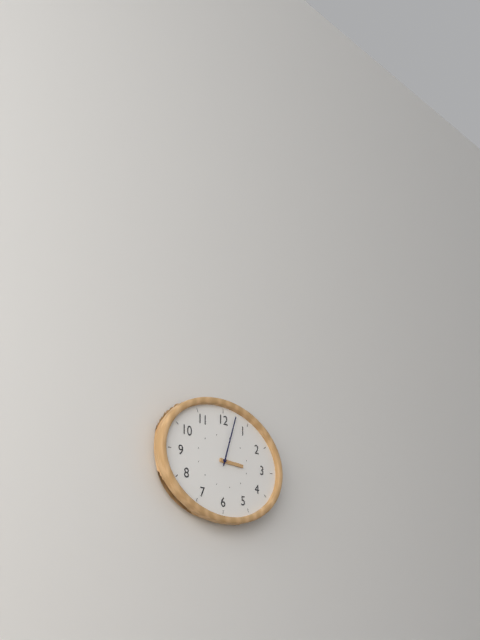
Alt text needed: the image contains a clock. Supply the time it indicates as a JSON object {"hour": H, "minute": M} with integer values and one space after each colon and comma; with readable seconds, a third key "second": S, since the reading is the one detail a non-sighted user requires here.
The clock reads {"hour": 3, "minute": 3}
